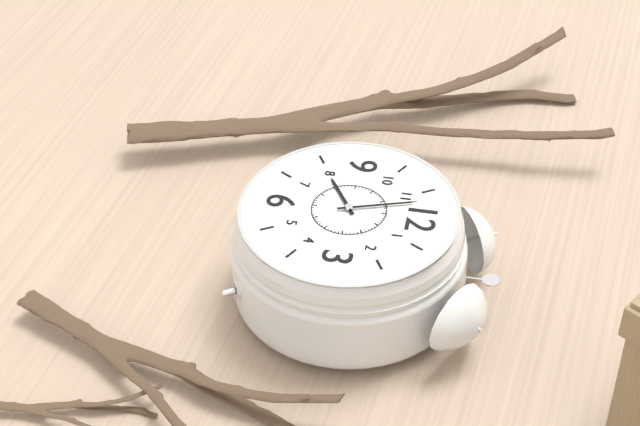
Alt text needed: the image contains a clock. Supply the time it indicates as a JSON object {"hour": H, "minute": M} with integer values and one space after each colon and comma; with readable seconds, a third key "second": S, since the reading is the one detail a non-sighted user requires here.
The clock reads {"hour": 7, "minute": 57}
